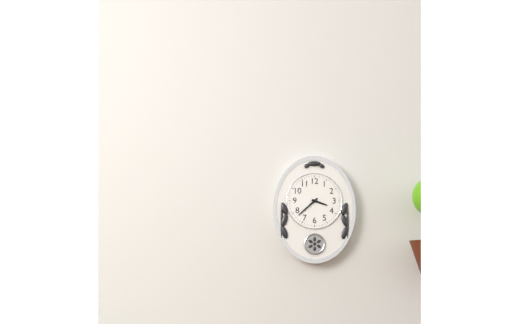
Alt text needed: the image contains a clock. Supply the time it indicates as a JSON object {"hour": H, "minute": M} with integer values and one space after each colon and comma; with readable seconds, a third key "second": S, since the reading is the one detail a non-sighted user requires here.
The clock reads {"hour": 3, "minute": 38}
